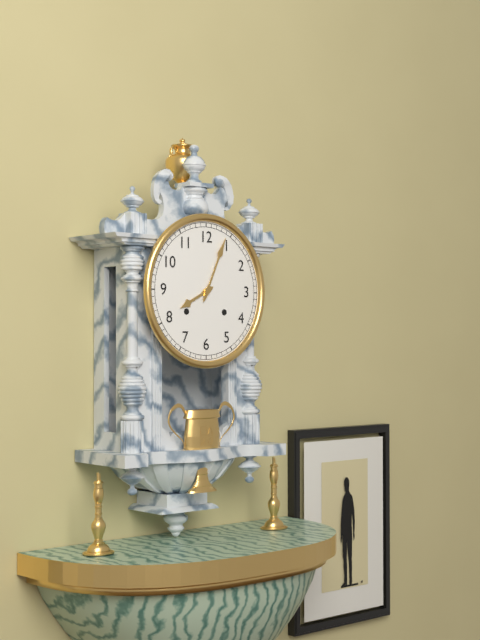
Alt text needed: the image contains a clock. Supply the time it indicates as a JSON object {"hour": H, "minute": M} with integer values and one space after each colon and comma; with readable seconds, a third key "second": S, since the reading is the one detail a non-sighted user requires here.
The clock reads {"hour": 8, "minute": 4}
